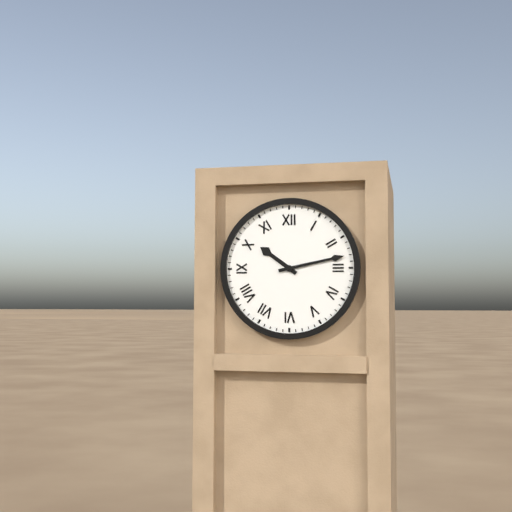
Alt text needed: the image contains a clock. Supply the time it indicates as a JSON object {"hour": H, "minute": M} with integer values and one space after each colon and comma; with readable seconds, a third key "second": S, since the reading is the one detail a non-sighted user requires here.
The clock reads {"hour": 10, "minute": 13}
